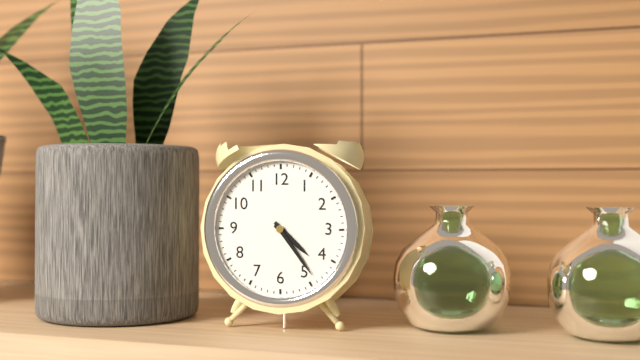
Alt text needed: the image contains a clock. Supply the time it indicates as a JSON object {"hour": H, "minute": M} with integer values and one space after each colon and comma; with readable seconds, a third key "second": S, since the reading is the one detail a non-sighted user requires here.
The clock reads {"hour": 4, "minute": 24}
